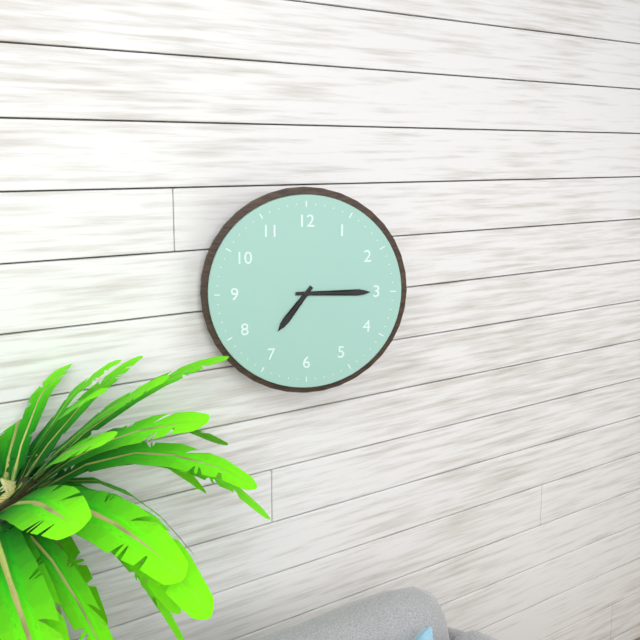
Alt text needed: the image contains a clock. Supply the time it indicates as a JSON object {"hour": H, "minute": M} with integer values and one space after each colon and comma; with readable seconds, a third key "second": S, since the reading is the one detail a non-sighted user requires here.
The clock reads {"hour": 7, "minute": 15}
